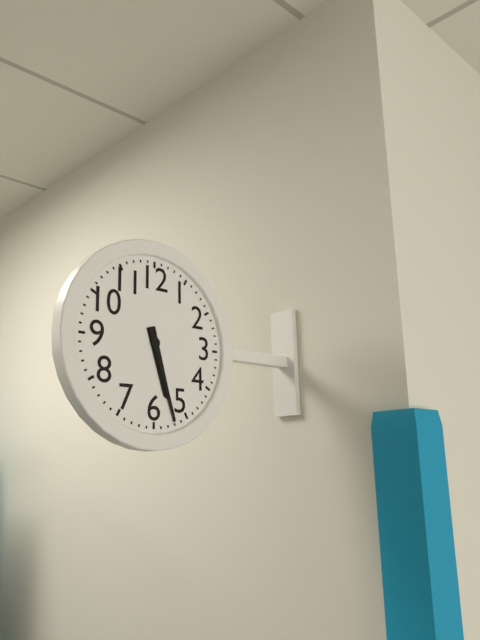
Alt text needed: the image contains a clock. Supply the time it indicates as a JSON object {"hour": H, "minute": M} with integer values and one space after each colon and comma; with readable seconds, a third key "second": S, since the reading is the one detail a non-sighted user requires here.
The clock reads {"hour": 5, "minute": 27}
